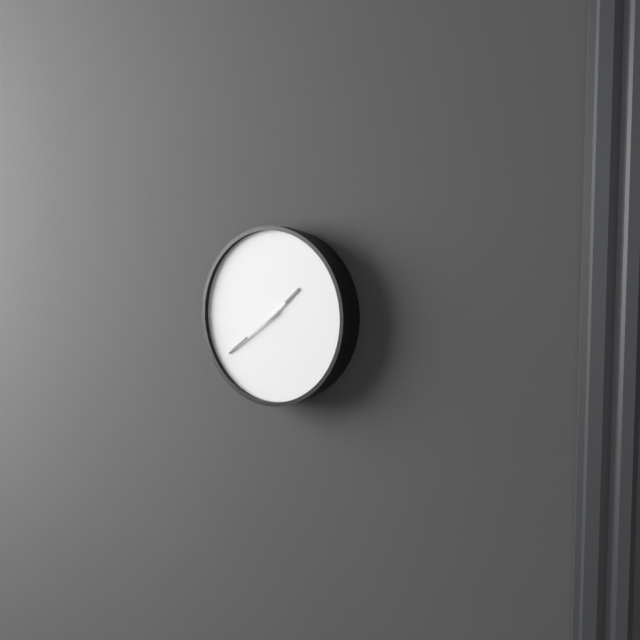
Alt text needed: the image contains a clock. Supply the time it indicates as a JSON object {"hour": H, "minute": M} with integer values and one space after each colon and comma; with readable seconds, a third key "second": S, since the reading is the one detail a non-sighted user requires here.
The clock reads {"hour": 1, "minute": 39}
